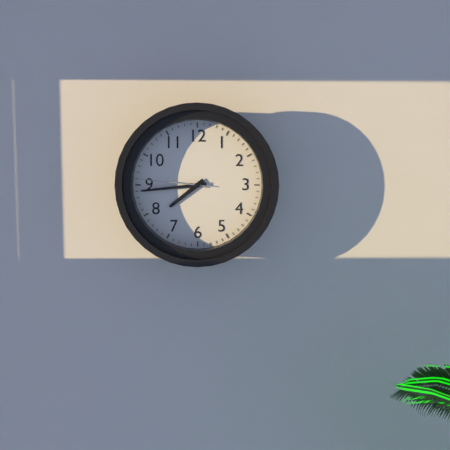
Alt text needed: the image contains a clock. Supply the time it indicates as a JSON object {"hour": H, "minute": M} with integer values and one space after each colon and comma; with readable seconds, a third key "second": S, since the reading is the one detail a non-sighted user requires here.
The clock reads {"hour": 7, "minute": 44, "second": 46}
